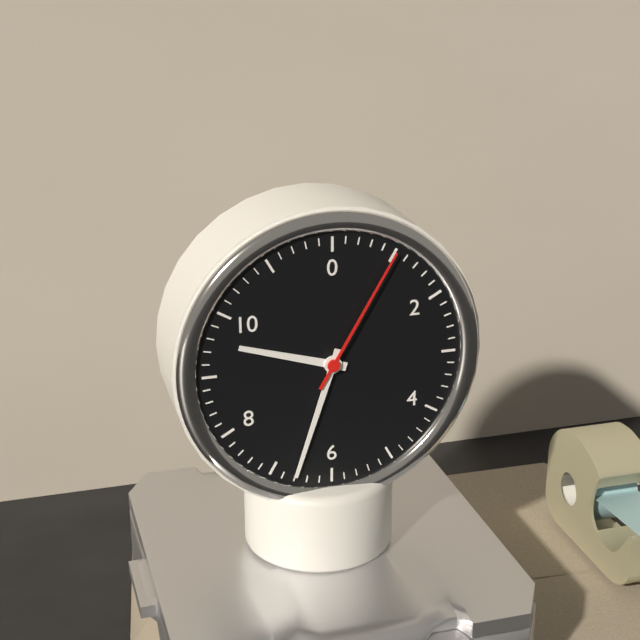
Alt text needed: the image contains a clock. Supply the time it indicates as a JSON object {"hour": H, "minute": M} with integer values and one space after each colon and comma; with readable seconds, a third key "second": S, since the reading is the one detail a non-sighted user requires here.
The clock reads {"hour": 9, "minute": 33, "second": 5}
